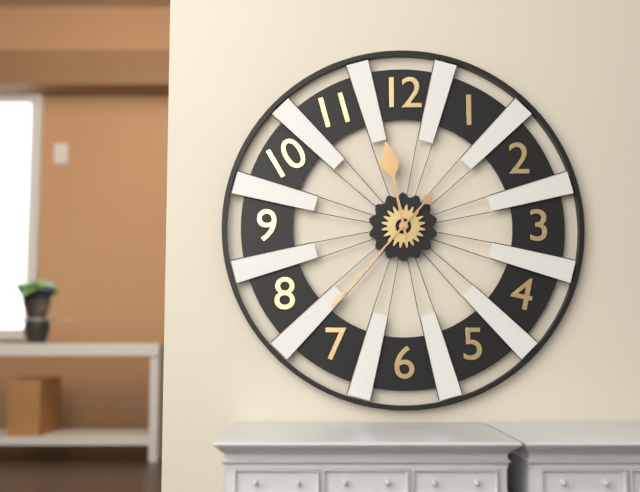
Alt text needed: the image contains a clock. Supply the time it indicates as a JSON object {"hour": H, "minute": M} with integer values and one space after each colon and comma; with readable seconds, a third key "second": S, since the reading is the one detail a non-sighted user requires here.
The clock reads {"hour": 11, "minute": 37}
